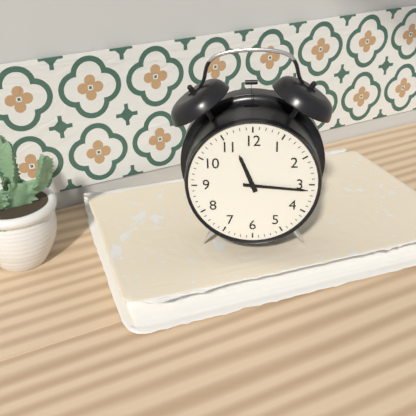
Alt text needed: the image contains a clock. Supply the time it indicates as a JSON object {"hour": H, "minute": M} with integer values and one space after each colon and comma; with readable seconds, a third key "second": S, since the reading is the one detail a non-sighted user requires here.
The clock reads {"hour": 11, "minute": 16}
